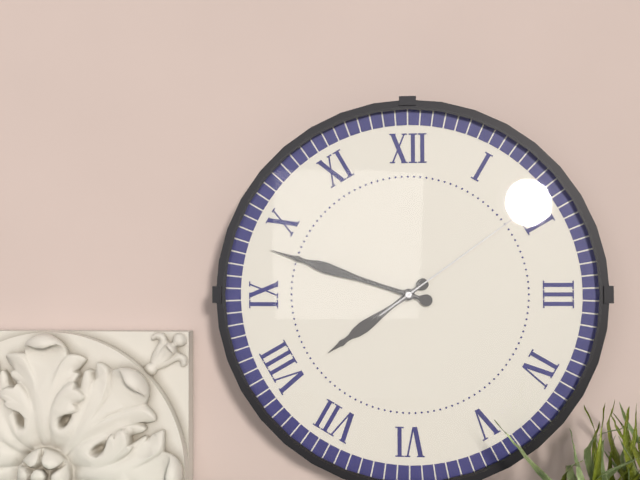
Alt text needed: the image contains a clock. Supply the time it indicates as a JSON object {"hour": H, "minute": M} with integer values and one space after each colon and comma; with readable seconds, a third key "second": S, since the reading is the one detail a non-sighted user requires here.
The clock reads {"hour": 7, "minute": 48, "second": 9}
